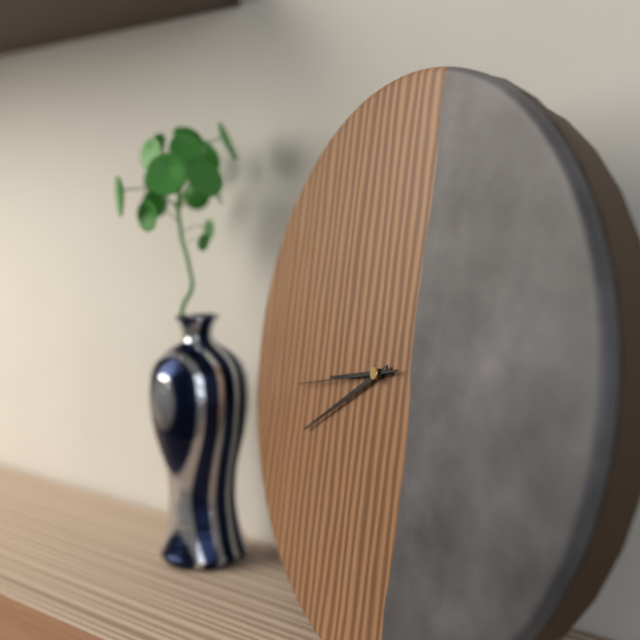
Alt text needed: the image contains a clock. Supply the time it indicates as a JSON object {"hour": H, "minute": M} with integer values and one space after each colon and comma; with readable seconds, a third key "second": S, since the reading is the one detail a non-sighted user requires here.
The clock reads {"hour": 8, "minute": 40, "second": 43}
